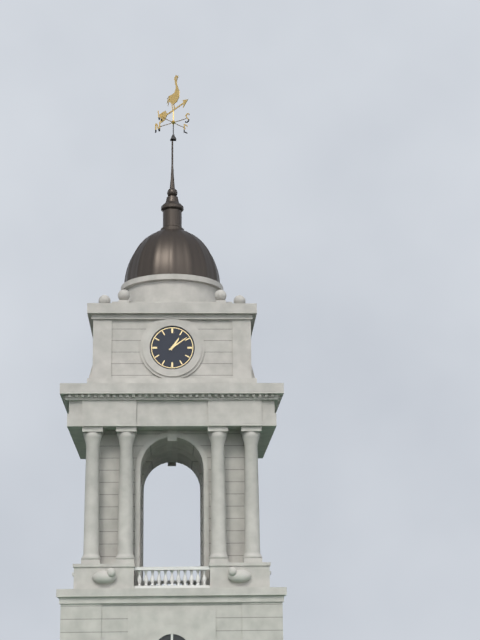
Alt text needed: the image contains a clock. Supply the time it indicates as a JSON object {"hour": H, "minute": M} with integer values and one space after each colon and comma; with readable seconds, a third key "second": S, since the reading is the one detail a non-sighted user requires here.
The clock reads {"hour": 1, "minute": 9}
